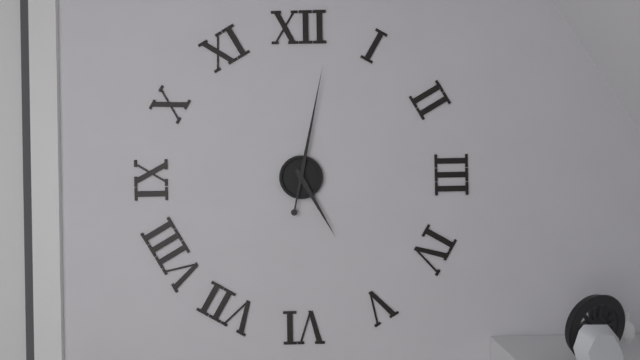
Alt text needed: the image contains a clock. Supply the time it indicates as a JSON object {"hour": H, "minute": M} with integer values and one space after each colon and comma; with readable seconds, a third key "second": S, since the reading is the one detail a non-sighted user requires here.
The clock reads {"hour": 5, "minute": 2}
